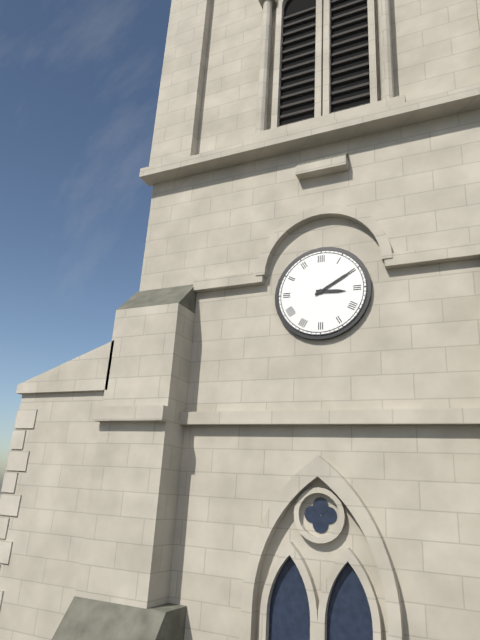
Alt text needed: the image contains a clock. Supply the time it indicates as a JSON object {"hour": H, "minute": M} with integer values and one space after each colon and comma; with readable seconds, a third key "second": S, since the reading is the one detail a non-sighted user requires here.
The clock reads {"hour": 3, "minute": 10}
